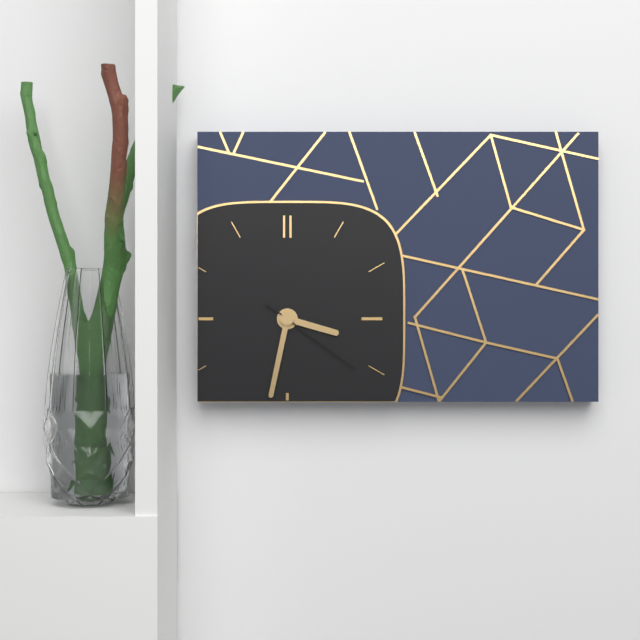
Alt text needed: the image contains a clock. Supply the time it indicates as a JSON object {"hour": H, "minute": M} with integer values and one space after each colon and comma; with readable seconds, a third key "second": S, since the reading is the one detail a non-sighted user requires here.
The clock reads {"hour": 3, "minute": 32, "second": 21}
